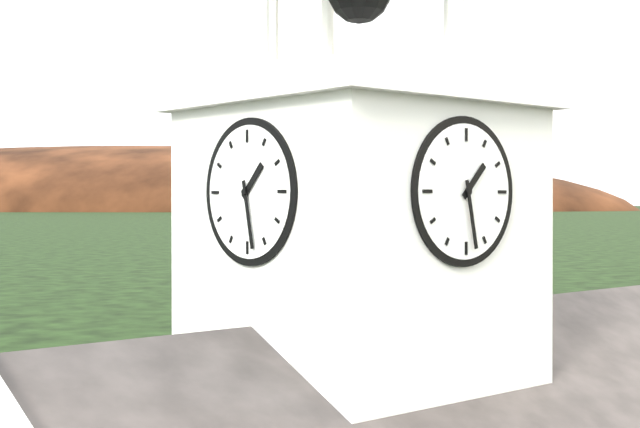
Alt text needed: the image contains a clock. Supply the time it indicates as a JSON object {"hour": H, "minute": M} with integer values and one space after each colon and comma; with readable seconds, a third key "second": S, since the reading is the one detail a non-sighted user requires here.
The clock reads {"hour": 1, "minute": 28}
